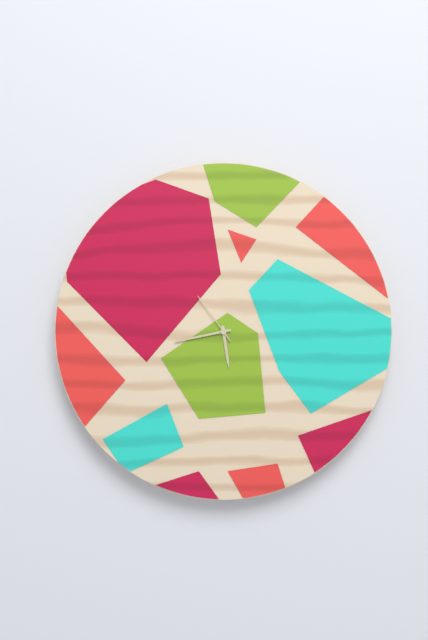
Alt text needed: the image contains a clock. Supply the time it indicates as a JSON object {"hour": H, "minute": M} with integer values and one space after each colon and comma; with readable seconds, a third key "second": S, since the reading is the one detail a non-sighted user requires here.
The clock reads {"hour": 5, "minute": 43, "second": 54}
